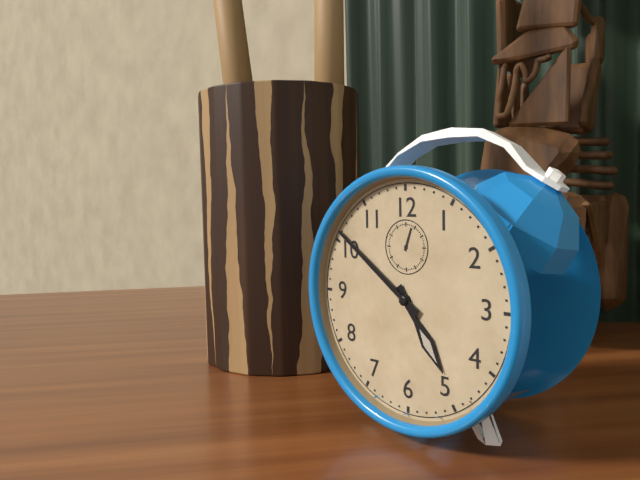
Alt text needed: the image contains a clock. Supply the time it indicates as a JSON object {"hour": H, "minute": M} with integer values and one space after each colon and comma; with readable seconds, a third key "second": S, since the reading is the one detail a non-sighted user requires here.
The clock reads {"hour": 4, "minute": 51}
